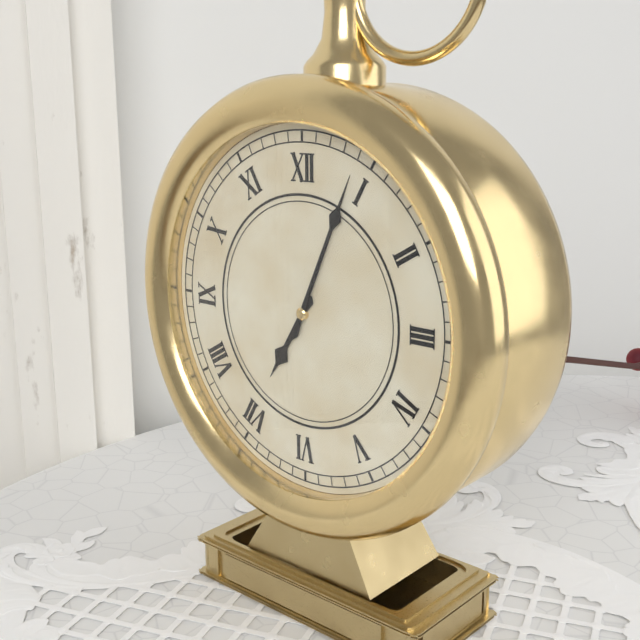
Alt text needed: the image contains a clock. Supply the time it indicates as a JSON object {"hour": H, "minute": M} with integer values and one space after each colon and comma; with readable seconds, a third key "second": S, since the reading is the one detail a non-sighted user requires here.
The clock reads {"hour": 7, "minute": 4}
